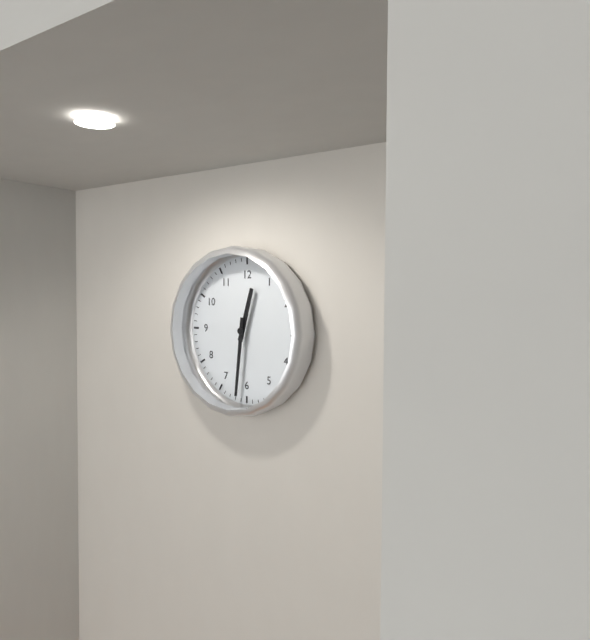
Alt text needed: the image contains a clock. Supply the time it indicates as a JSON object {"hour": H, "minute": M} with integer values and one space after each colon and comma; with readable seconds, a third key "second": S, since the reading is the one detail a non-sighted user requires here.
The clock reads {"hour": 12, "minute": 31}
